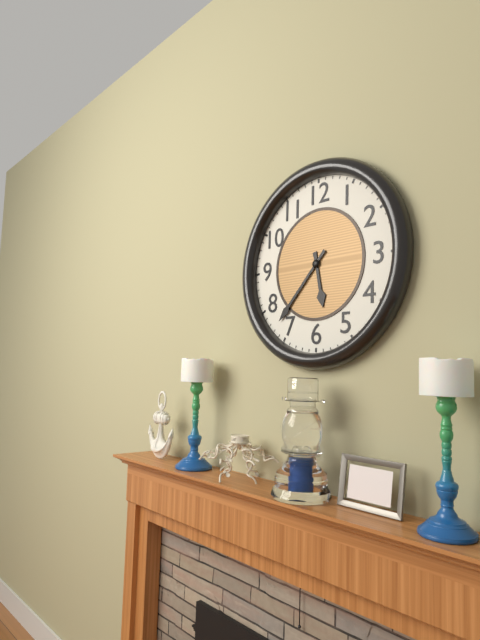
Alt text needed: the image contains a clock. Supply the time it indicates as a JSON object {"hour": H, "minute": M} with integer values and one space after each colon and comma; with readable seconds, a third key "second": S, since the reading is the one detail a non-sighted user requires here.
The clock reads {"hour": 5, "minute": 37}
